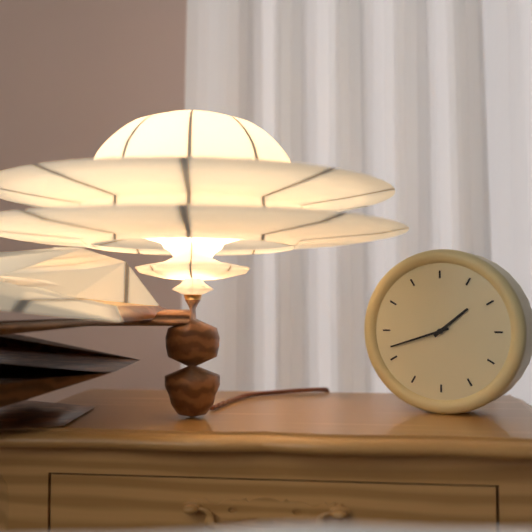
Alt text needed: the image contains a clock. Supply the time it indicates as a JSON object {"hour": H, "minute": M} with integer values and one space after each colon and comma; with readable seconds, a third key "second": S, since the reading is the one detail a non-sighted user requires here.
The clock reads {"hour": 1, "minute": 42}
